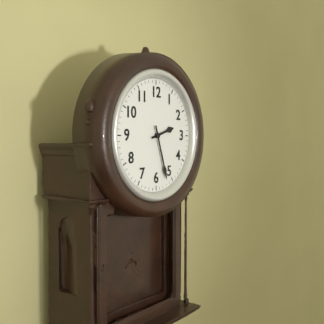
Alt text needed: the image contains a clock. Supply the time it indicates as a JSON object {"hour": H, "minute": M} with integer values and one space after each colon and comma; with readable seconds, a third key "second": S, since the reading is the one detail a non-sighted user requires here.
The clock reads {"hour": 2, "minute": 27}
